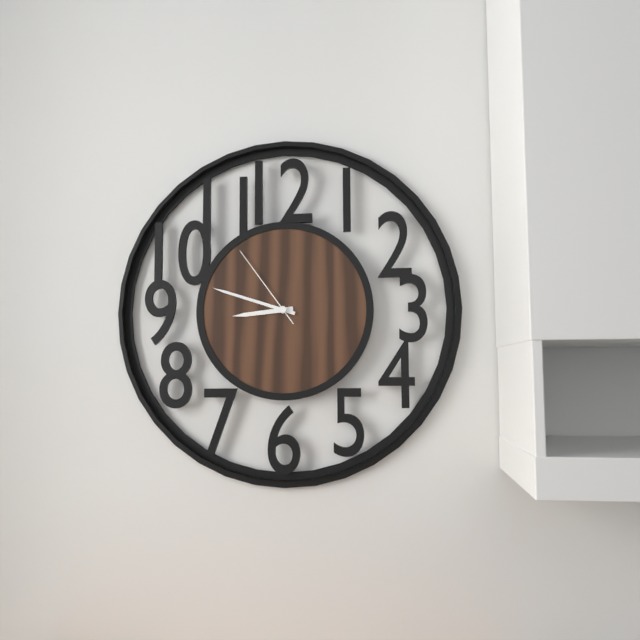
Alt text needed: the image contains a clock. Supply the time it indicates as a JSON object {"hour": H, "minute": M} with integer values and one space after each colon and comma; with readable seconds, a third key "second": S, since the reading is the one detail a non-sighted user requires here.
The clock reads {"hour": 8, "minute": 48, "second": 54}
